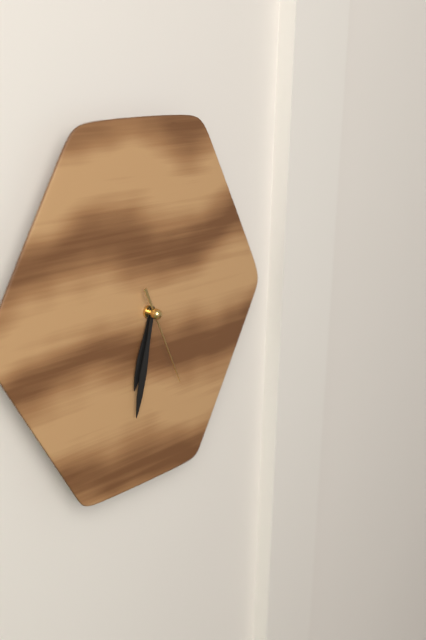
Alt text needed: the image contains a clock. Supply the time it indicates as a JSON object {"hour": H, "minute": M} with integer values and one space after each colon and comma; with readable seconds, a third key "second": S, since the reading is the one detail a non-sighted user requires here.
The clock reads {"hour": 6, "minute": 32, "second": 26}
